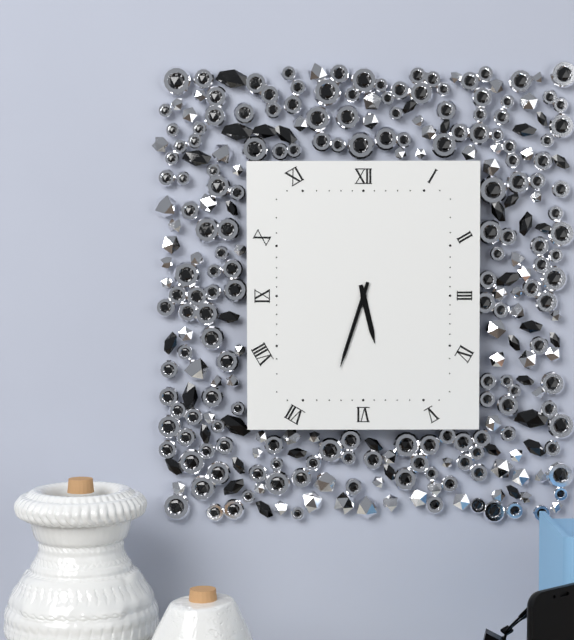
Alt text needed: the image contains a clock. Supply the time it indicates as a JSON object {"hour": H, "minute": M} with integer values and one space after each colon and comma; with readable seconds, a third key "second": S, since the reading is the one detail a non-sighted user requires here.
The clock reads {"hour": 5, "minute": 33}
